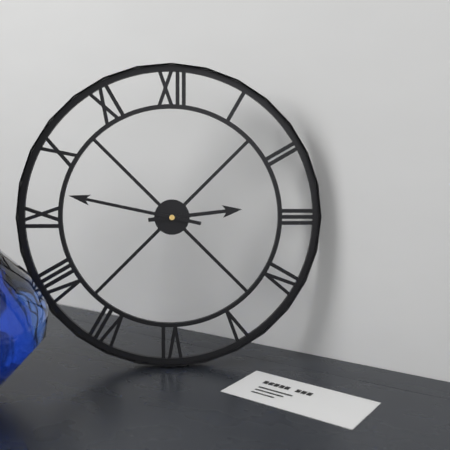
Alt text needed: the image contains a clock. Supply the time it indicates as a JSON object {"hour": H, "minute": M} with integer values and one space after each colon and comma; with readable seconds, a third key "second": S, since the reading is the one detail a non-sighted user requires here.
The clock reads {"hour": 2, "minute": 47}
